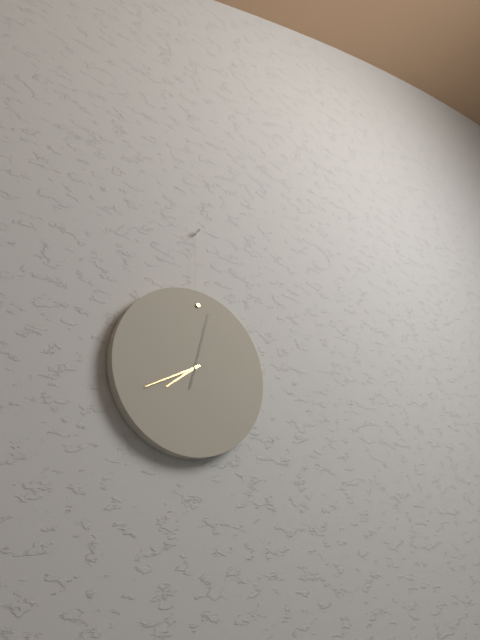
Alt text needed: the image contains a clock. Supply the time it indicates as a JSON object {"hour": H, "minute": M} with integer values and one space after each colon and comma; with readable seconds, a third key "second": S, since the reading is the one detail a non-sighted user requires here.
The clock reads {"hour": 7, "minute": 40, "second": 2}
